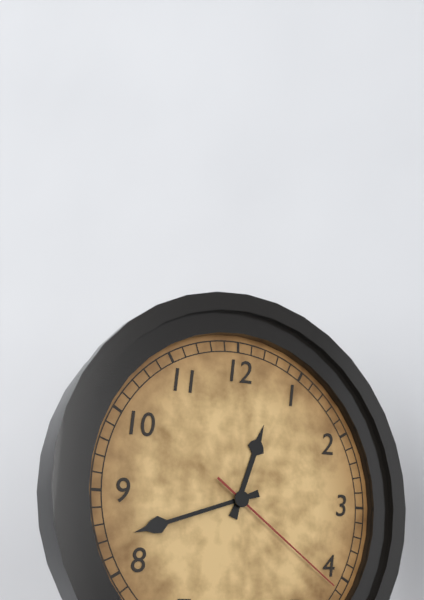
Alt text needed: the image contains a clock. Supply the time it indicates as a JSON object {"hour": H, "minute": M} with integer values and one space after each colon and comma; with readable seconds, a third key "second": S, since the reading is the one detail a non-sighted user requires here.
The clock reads {"hour": 12, "minute": 42, "second": 21}
